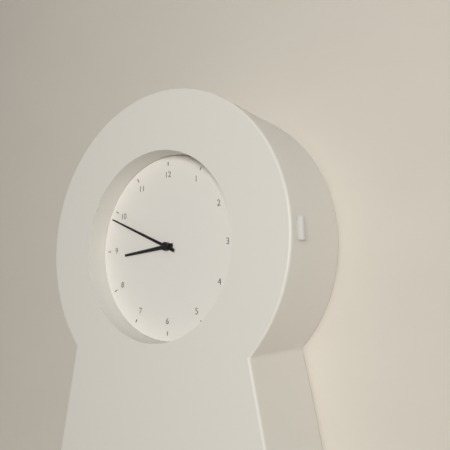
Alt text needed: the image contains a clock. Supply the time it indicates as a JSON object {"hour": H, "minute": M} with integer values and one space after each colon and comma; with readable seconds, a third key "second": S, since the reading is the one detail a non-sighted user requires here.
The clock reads {"hour": 8, "minute": 49}
